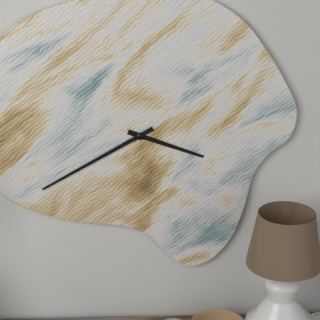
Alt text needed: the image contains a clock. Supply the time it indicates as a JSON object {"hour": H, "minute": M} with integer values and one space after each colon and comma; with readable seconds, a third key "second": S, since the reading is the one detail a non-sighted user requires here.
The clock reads {"hour": 3, "minute": 40}
